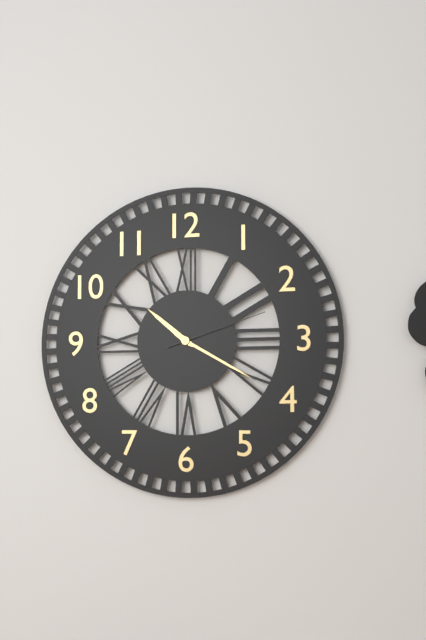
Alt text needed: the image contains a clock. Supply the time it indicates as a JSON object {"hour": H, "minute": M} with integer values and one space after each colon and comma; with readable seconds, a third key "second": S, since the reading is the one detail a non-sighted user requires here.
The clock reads {"hour": 10, "minute": 20, "second": 12}
